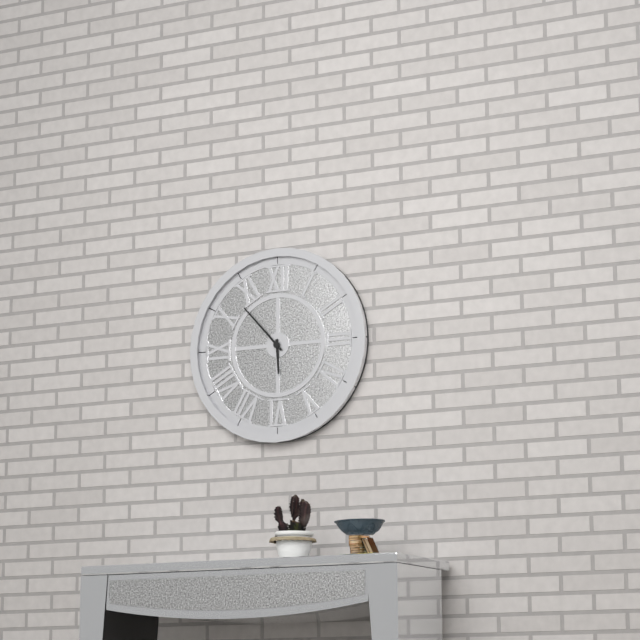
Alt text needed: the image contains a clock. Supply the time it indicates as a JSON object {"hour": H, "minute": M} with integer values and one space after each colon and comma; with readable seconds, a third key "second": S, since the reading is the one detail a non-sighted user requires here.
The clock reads {"hour": 5, "minute": 53}
